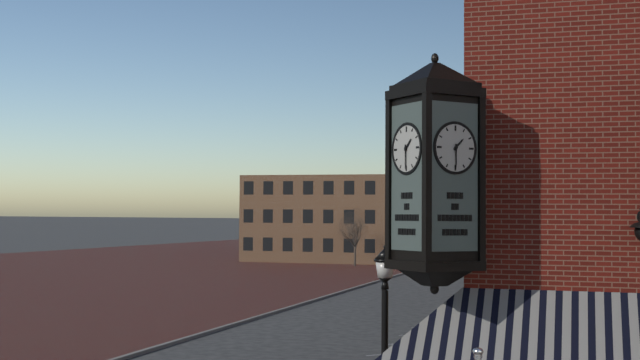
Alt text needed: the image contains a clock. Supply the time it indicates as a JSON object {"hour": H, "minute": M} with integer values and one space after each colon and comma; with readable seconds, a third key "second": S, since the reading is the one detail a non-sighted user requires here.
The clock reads {"hour": 1, "minute": 30}
